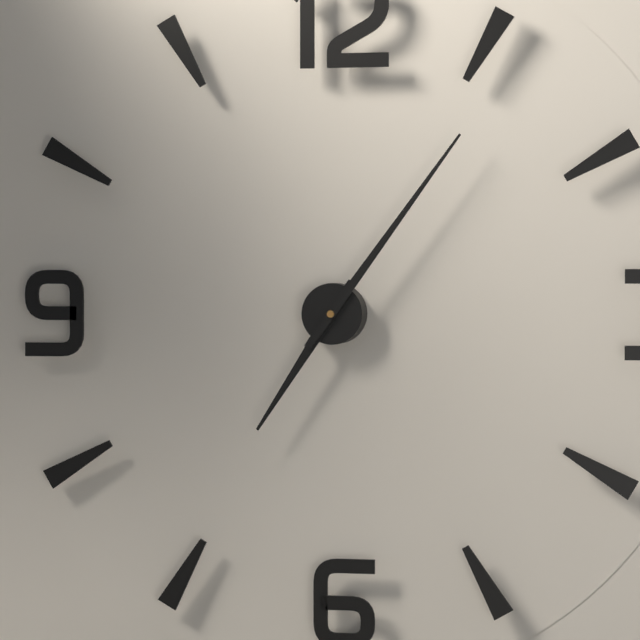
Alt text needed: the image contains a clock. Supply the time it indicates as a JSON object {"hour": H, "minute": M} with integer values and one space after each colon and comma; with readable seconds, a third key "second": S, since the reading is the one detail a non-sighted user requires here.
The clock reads {"hour": 7, "minute": 6}
